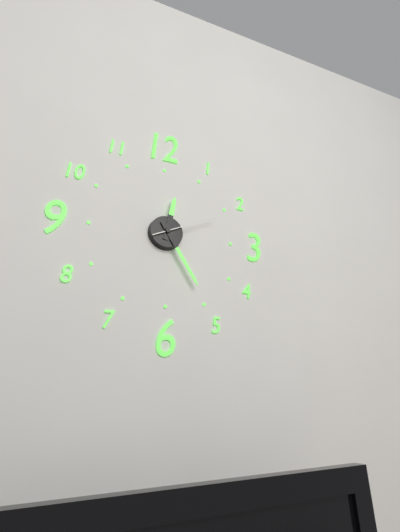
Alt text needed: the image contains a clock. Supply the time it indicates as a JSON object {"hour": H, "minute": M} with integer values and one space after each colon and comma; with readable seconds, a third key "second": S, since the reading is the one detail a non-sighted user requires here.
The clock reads {"hour": 12, "minute": 25, "second": 11}
